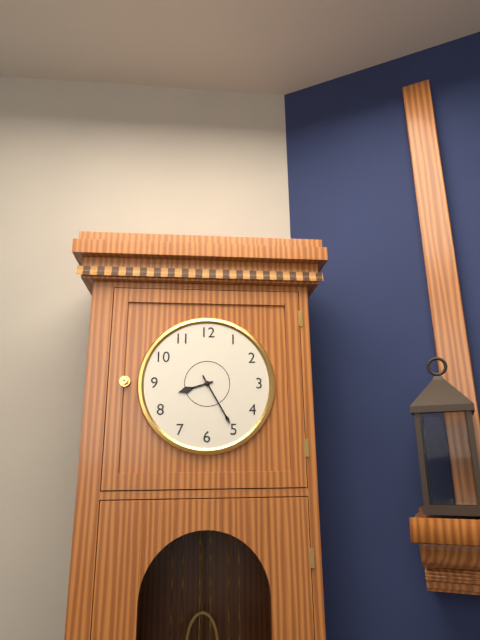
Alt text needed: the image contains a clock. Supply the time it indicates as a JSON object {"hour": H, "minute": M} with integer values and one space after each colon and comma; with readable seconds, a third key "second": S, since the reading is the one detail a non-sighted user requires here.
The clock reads {"hour": 8, "minute": 25}
